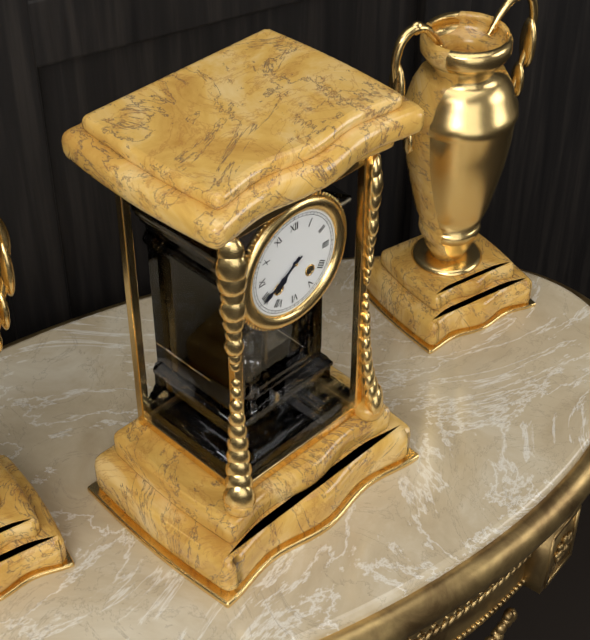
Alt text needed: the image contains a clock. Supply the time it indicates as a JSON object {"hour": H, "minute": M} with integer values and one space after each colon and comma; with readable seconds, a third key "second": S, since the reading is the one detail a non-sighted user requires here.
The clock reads {"hour": 7, "minute": 40}
